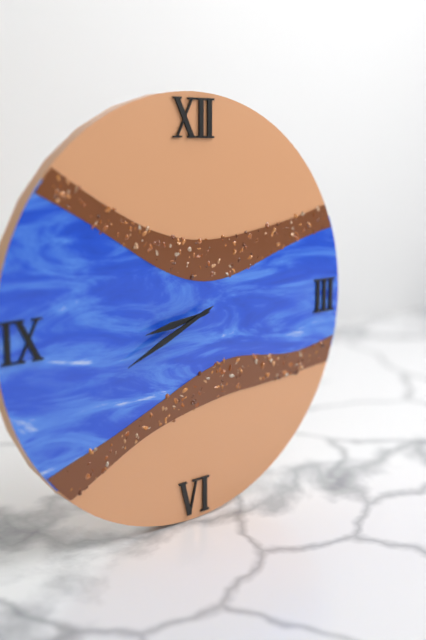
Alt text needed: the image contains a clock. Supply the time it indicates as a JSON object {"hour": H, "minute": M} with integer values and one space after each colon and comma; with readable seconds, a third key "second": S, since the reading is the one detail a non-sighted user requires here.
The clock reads {"hour": 8, "minute": 41}
